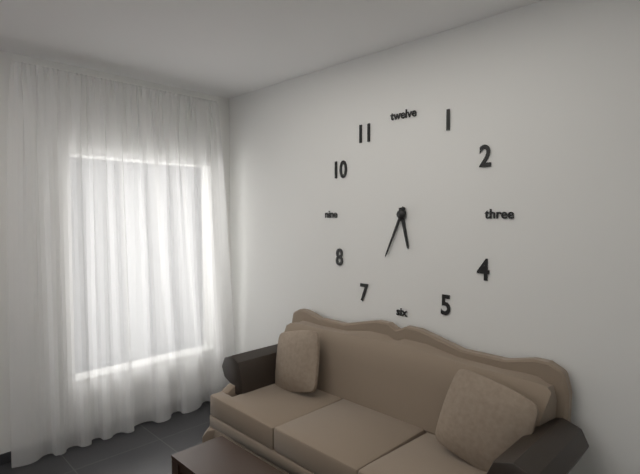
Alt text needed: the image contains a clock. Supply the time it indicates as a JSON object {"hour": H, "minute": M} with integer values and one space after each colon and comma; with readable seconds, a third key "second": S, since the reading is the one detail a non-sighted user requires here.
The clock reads {"hour": 5, "minute": 34}
